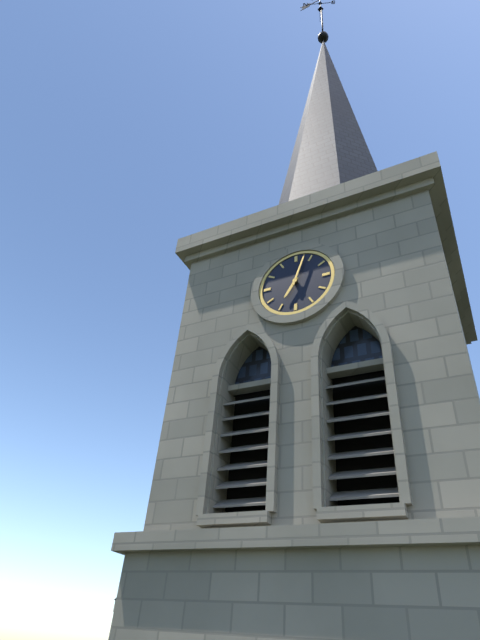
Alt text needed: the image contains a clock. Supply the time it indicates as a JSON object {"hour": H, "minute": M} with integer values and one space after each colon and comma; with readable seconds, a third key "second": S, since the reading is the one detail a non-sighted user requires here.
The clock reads {"hour": 7, "minute": 3}
